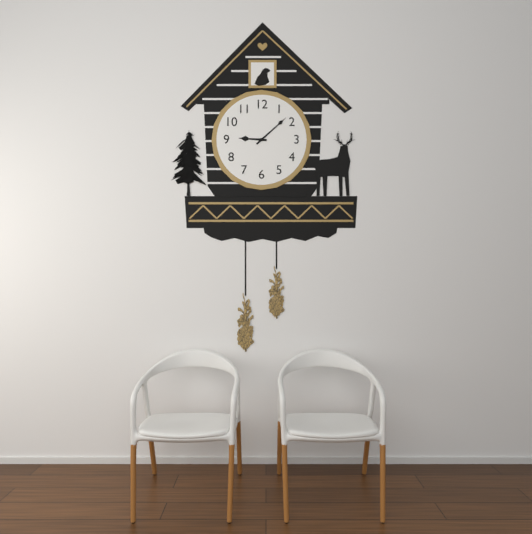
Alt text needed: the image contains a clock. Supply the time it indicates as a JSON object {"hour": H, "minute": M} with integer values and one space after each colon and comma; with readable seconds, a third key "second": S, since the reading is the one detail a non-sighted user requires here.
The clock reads {"hour": 9, "minute": 8}
